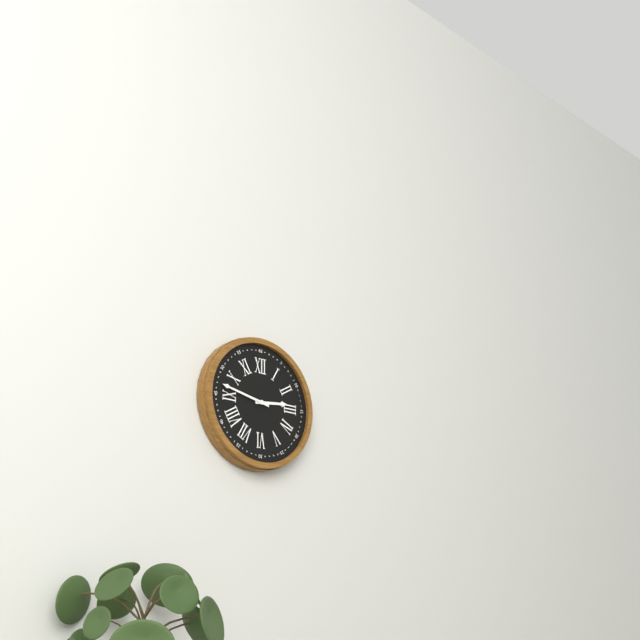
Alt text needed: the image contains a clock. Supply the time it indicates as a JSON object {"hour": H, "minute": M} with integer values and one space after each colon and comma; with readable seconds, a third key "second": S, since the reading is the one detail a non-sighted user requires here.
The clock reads {"hour": 2, "minute": 47}
